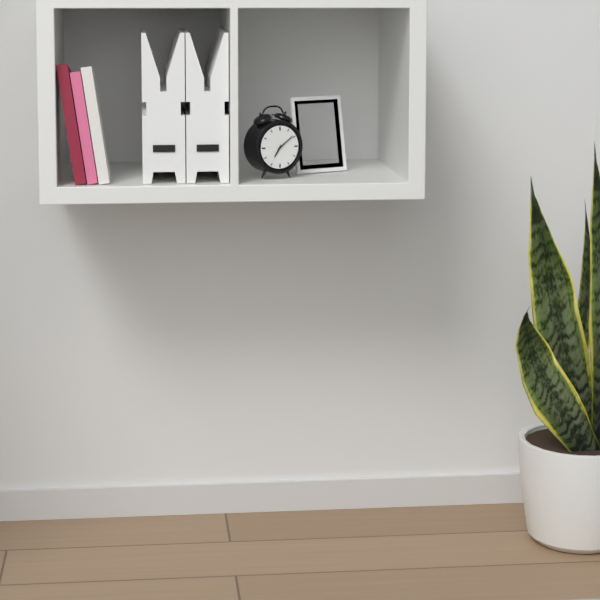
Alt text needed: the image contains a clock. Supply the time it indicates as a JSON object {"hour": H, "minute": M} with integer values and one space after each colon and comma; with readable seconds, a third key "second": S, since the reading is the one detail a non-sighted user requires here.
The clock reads {"hour": 7, "minute": 9}
